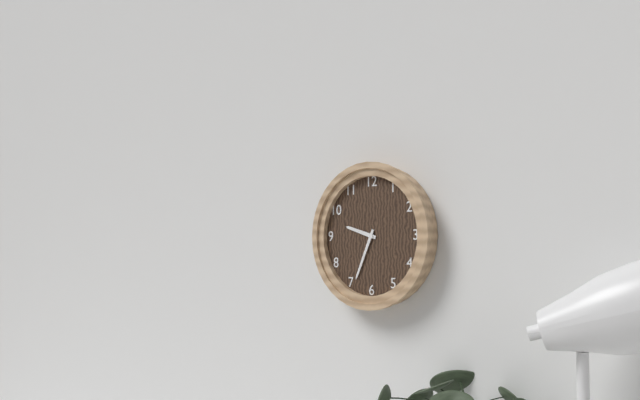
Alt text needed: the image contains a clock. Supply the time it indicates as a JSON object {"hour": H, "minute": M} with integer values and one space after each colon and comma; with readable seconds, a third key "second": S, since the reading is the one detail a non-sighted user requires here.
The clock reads {"hour": 9, "minute": 34}
